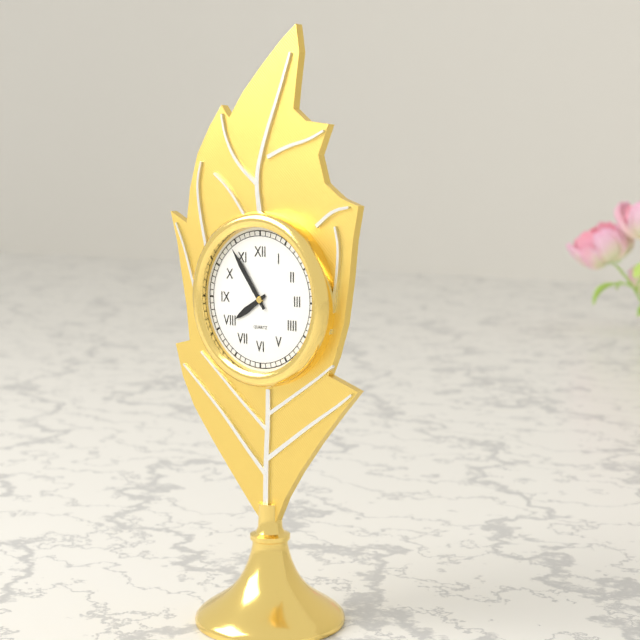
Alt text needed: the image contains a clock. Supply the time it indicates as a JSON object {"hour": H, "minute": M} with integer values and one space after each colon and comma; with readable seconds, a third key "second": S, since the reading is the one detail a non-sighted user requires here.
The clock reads {"hour": 7, "minute": 54}
